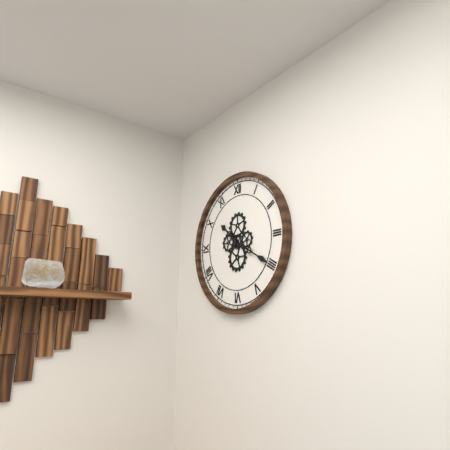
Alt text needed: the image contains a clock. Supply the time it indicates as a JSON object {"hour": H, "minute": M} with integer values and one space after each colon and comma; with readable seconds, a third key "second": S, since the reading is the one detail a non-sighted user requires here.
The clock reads {"hour": 10, "minute": 20}
